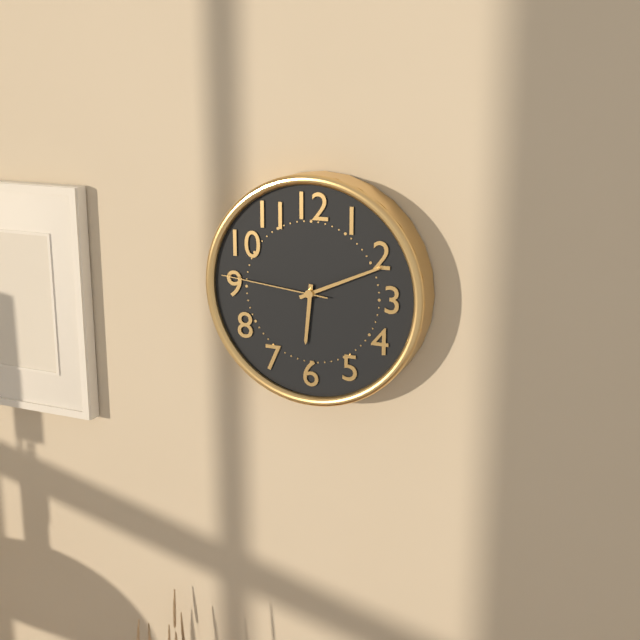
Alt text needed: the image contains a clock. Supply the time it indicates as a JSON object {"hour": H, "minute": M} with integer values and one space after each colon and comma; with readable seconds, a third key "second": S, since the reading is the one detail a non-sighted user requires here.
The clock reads {"hour": 6, "minute": 11, "second": 46}
